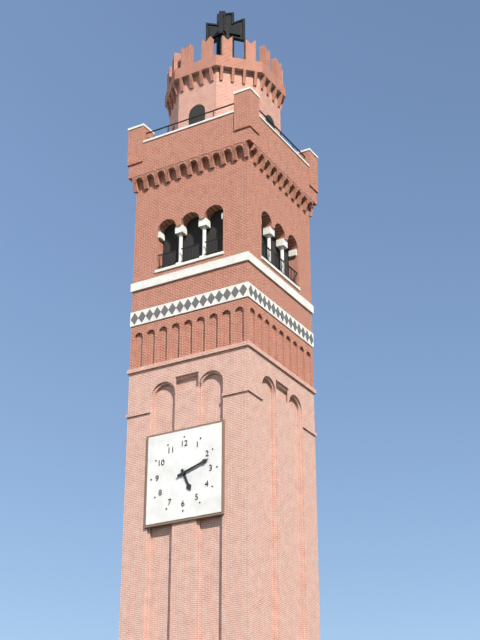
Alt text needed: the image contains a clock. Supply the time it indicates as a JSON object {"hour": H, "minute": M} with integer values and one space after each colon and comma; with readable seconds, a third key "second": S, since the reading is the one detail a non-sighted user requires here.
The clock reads {"hour": 5, "minute": 12}
